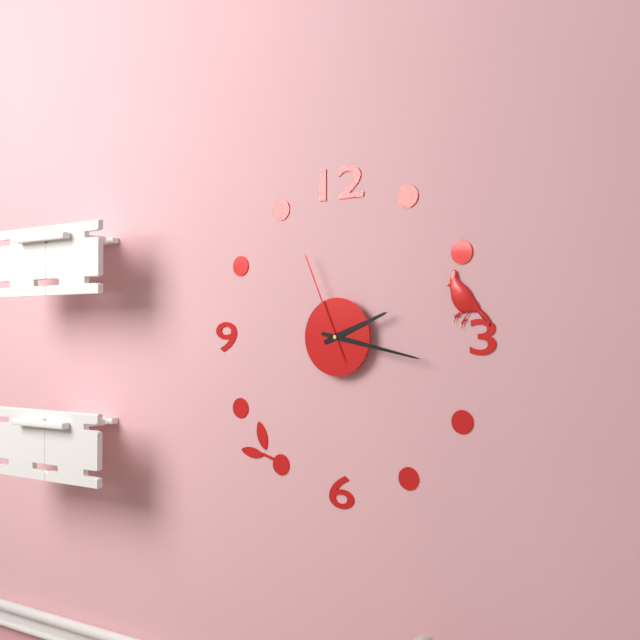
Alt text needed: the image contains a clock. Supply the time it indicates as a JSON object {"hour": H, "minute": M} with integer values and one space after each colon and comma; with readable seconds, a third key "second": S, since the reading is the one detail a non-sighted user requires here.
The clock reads {"hour": 2, "minute": 17, "second": 56}
